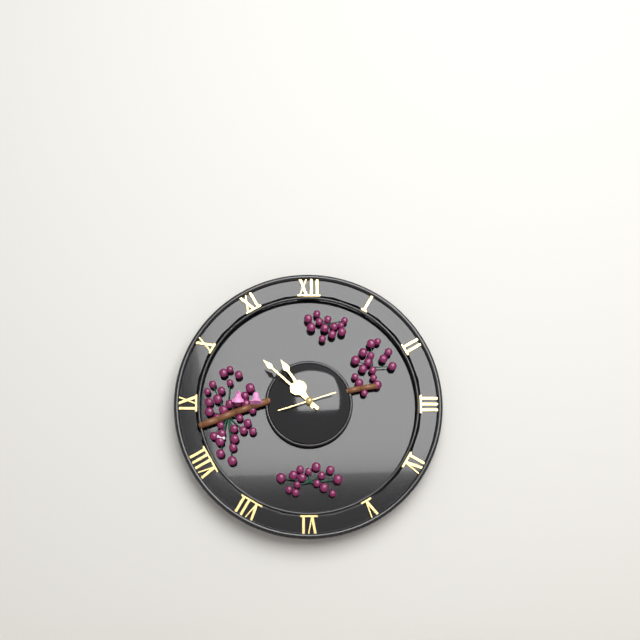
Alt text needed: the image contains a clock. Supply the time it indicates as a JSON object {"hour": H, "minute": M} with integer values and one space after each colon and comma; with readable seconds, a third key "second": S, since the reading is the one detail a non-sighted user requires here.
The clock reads {"hour": 10, "minute": 52}
